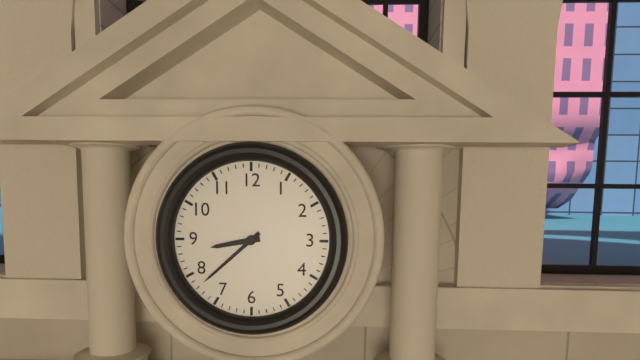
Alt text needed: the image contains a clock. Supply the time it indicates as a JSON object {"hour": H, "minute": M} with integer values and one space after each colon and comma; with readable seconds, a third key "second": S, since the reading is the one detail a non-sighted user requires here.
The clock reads {"hour": 8, "minute": 38}
